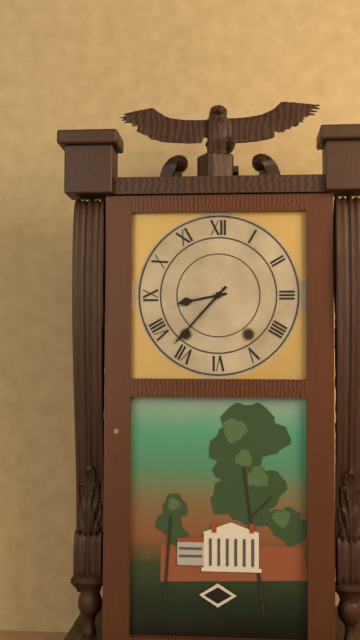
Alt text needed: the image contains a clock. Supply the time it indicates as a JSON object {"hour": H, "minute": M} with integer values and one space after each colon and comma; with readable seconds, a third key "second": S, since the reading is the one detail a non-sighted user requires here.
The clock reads {"hour": 8, "minute": 37}
